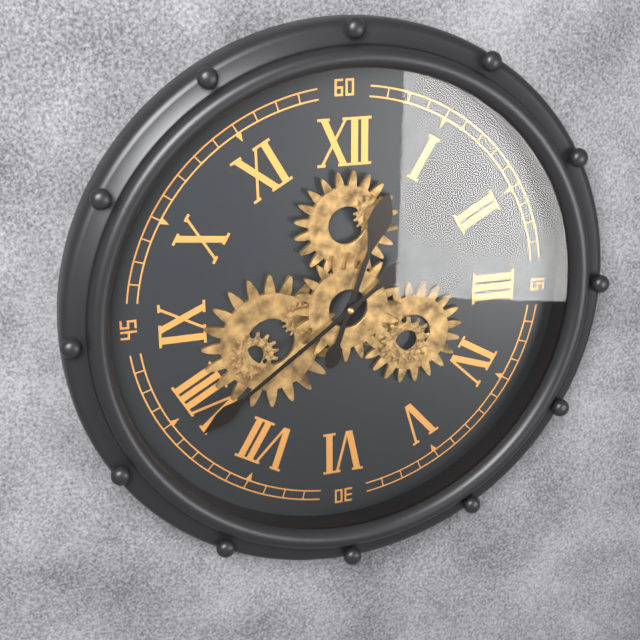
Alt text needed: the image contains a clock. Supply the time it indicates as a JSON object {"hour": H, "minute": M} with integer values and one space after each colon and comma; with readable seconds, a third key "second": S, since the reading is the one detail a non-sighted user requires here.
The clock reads {"hour": 12, "minute": 39}
